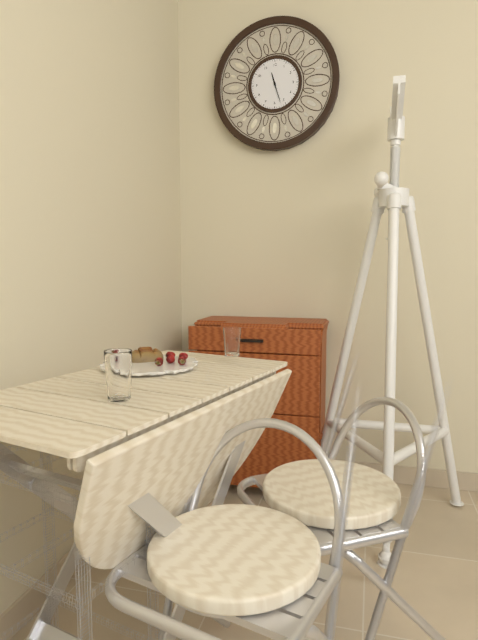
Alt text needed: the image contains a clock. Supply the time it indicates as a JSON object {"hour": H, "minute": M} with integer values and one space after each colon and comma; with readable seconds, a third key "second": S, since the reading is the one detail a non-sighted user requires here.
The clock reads {"hour": 11, "minute": 27}
